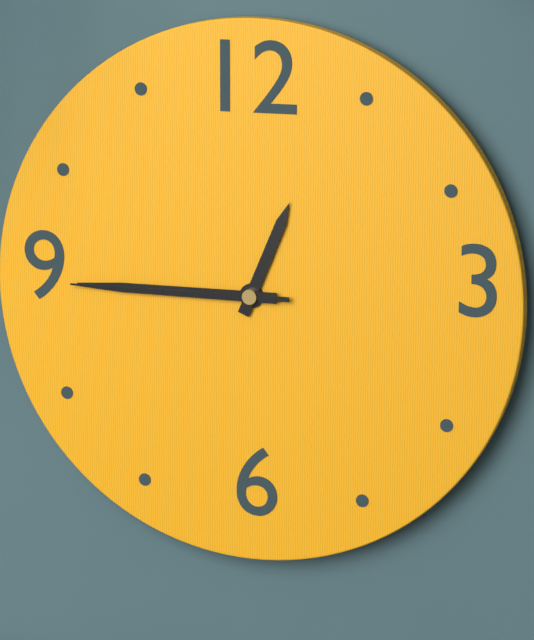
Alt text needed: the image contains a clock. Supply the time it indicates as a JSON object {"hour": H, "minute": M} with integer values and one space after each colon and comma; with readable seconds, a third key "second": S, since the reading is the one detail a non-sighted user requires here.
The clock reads {"hour": 12, "minute": 45, "second": 45}
